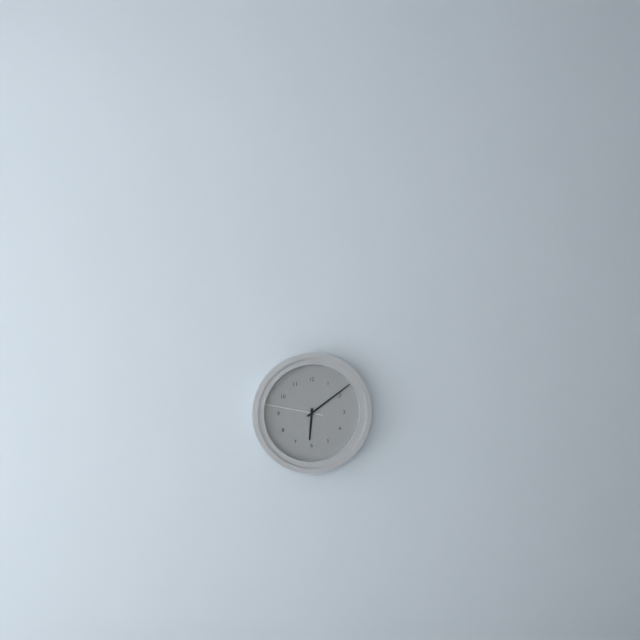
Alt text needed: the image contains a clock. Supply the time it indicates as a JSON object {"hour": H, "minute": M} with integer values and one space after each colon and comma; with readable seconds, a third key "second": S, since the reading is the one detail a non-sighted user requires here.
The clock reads {"hour": 6, "minute": 9, "second": 47}
